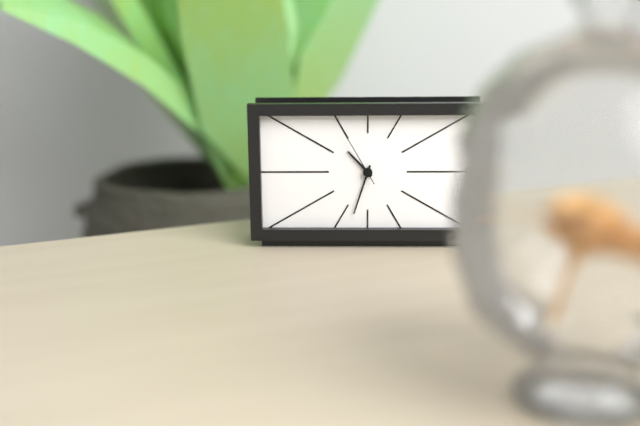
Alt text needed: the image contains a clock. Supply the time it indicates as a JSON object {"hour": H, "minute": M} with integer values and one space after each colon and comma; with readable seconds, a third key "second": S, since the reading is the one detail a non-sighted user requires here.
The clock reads {"hour": 10, "minute": 33, "second": 55}
